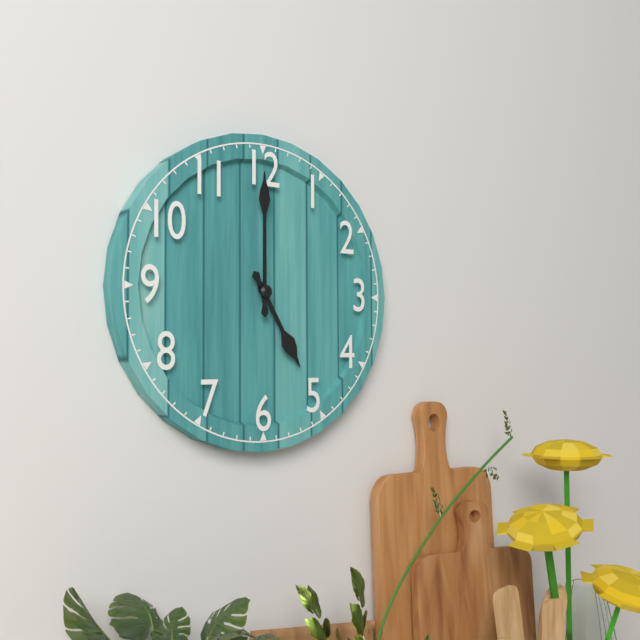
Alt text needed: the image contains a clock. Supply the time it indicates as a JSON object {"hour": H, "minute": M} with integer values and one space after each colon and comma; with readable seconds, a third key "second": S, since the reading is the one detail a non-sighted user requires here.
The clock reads {"hour": 5, "minute": 0}
